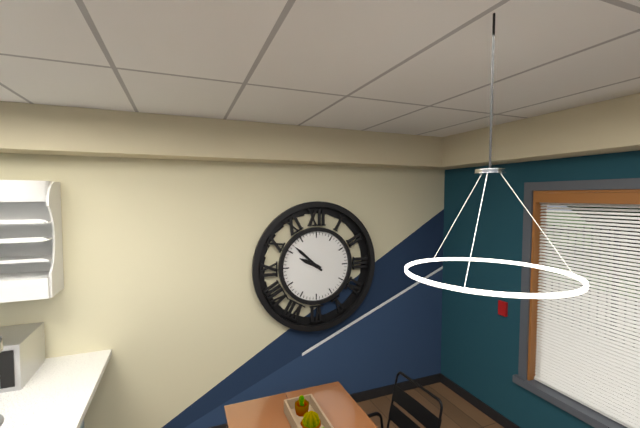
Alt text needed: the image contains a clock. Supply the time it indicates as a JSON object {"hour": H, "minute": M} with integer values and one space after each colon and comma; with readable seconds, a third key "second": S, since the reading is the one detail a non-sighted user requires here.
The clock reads {"hour": 9, "minute": 52}
